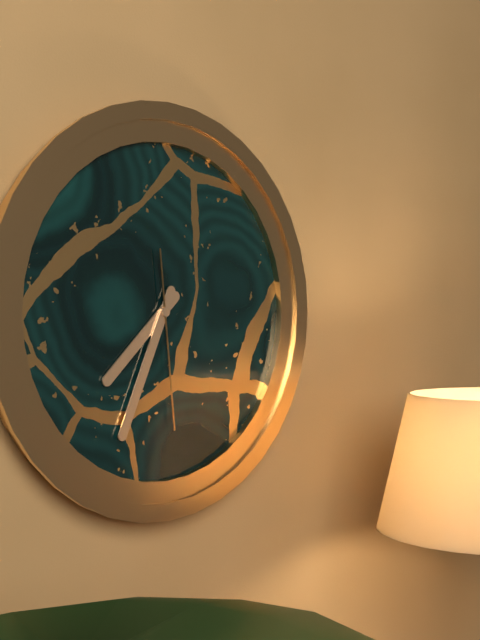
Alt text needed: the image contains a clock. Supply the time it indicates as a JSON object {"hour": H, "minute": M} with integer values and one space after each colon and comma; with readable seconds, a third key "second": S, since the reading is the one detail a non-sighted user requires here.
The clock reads {"hour": 7, "minute": 34, "second": 29}
